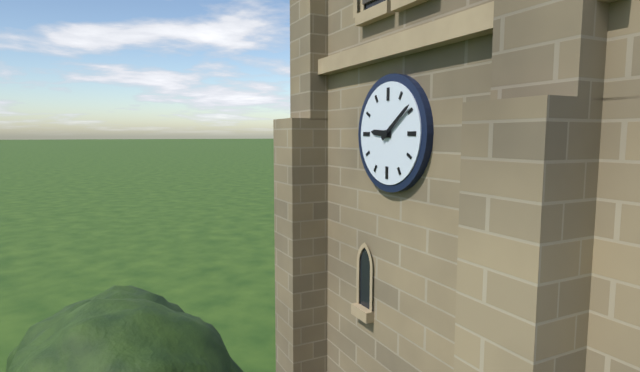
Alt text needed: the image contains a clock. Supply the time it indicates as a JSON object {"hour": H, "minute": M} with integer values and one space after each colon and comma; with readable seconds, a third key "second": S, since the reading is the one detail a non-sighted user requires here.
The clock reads {"hour": 9, "minute": 9}
